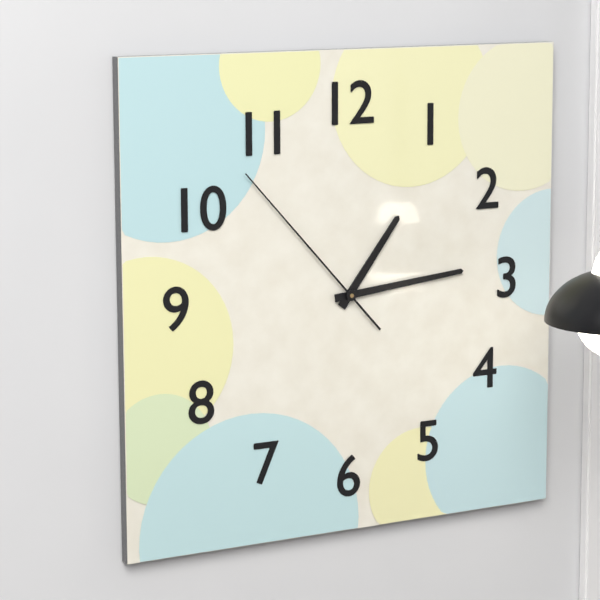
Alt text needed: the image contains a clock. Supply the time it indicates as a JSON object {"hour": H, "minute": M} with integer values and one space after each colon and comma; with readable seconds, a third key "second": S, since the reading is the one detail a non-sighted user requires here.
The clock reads {"hour": 1, "minute": 14, "second": 53}
